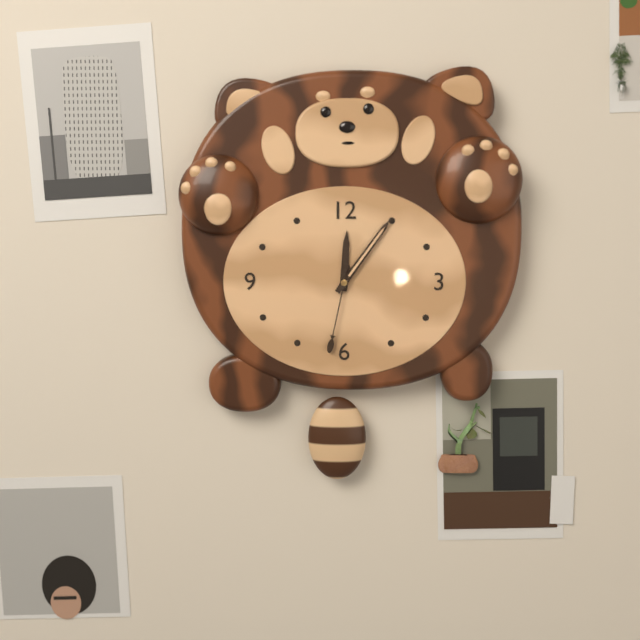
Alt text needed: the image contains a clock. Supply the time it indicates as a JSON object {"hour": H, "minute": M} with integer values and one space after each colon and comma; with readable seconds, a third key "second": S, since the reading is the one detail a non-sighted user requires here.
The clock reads {"hour": 12, "minute": 6, "second": 32}
